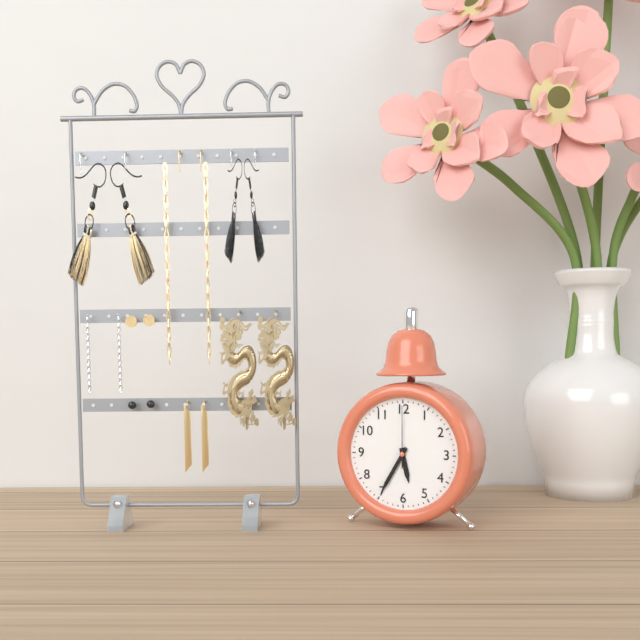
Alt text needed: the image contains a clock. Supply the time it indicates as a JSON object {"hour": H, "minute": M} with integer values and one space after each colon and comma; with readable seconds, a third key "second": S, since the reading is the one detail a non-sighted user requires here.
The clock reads {"hour": 5, "minute": 35, "second": 0}
